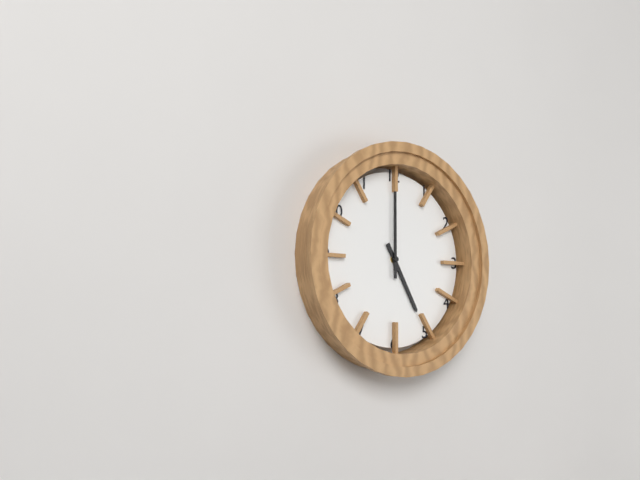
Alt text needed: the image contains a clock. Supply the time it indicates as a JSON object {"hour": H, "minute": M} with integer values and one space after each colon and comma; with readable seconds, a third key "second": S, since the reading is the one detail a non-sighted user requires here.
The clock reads {"hour": 5, "minute": 0}
